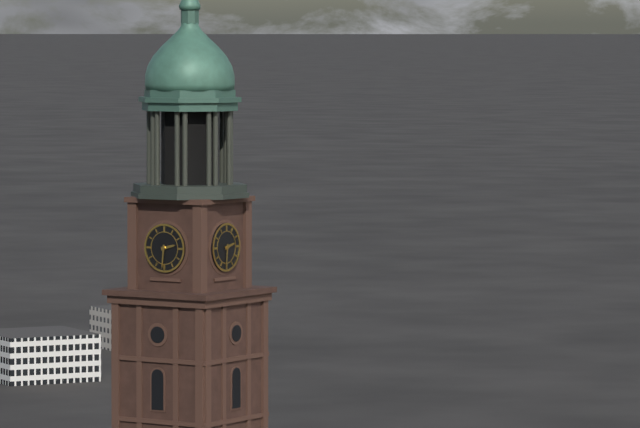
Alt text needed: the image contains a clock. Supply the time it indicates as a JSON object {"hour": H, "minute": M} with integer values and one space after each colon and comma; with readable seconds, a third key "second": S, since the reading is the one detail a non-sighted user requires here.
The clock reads {"hour": 2, "minute": 31}
